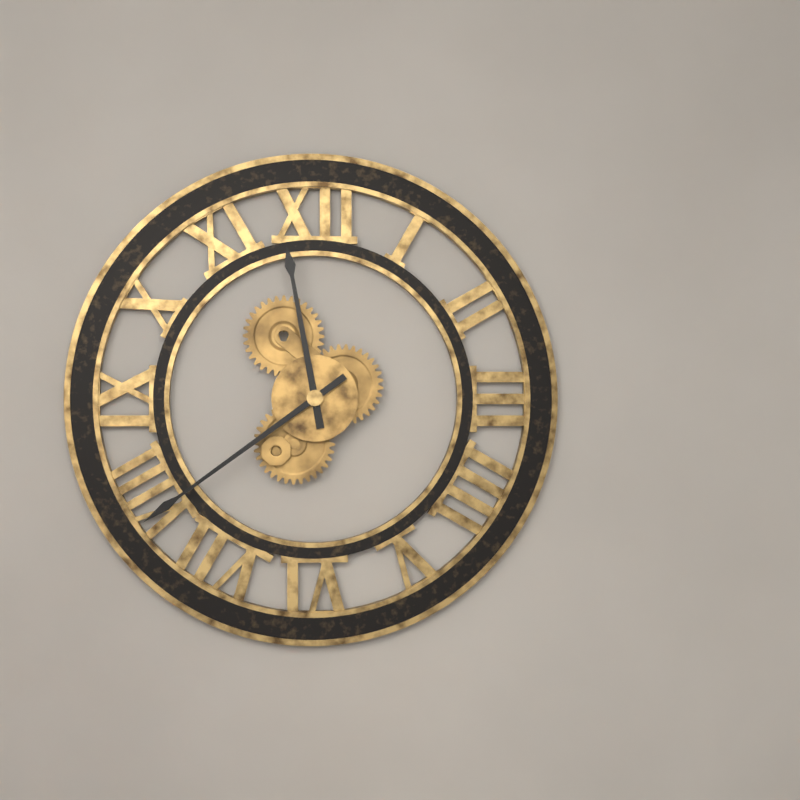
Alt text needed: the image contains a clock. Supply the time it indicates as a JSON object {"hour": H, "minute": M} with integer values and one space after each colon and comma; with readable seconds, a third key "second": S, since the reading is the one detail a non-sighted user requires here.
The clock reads {"hour": 11, "minute": 39}
